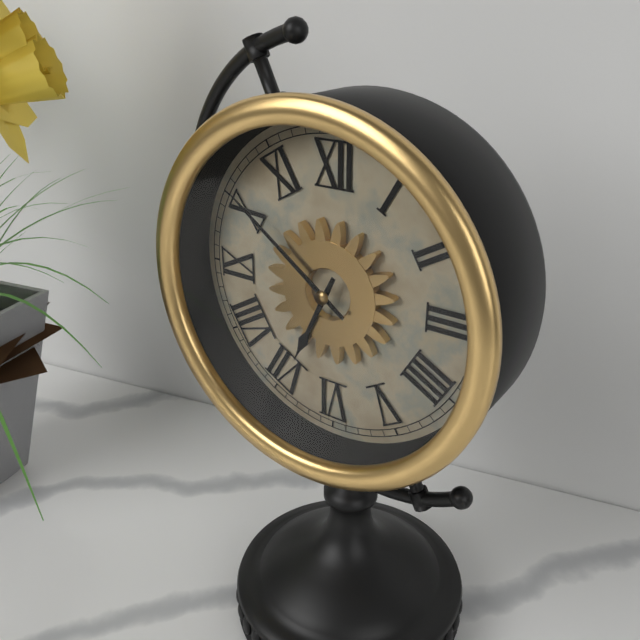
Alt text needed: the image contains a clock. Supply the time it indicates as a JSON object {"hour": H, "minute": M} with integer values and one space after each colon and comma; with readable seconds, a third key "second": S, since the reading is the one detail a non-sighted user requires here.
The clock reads {"hour": 6, "minute": 51}
